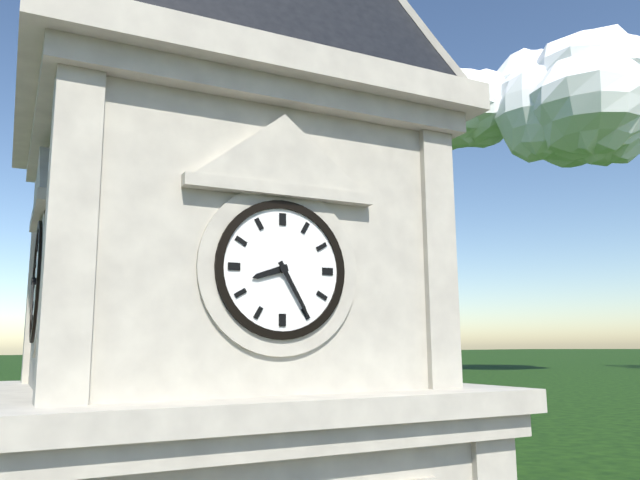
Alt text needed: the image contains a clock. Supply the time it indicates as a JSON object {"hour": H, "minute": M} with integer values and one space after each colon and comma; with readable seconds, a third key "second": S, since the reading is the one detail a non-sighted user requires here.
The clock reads {"hour": 8, "minute": 25}
